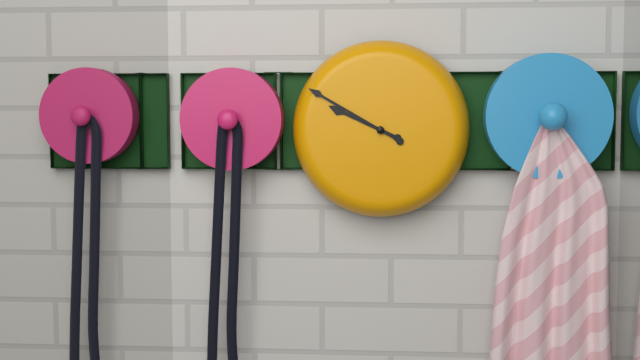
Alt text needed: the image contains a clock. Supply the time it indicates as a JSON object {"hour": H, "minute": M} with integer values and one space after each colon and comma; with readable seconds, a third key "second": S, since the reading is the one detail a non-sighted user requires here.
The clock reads {"hour": 9, "minute": 50}
